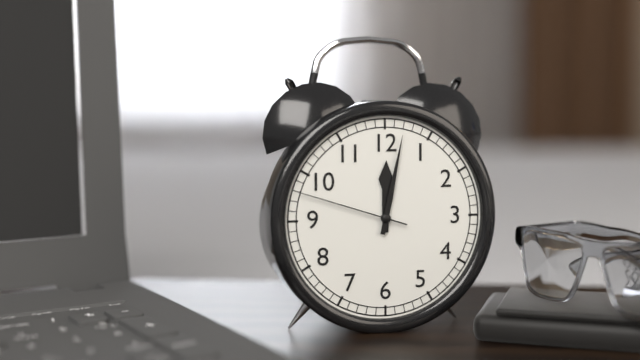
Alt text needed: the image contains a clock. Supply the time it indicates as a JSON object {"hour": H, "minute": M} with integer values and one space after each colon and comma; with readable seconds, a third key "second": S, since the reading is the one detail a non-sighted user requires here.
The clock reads {"hour": 12, "minute": 2, "second": 48}
